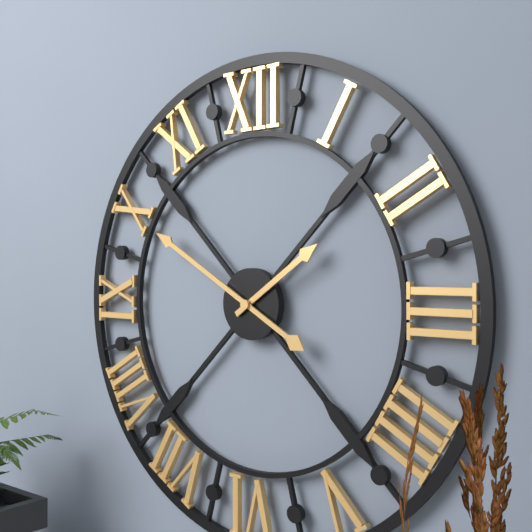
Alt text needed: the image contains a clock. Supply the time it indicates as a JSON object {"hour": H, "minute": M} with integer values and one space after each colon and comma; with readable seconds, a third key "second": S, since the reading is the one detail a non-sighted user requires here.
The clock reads {"hour": 1, "minute": 50}
